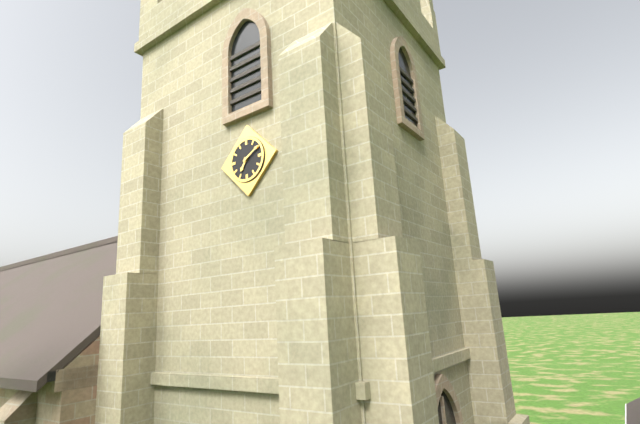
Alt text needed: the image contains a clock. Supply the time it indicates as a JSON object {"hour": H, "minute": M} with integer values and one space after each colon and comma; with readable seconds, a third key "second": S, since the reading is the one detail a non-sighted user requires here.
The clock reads {"hour": 7, "minute": 10}
